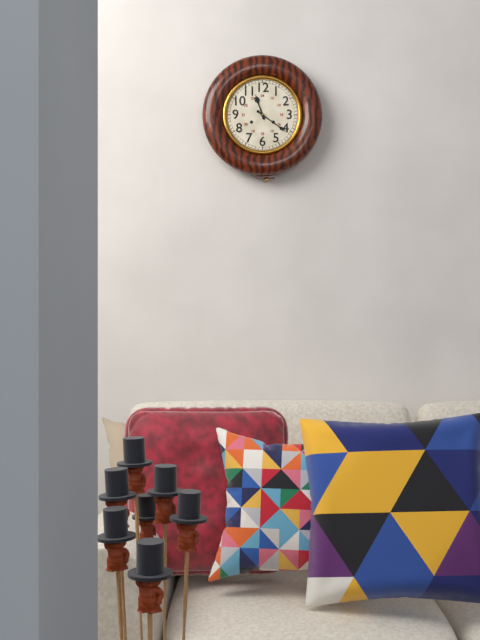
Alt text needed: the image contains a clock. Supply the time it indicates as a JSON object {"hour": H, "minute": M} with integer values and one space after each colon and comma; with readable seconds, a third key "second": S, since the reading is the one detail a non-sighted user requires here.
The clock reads {"hour": 11, "minute": 21}
